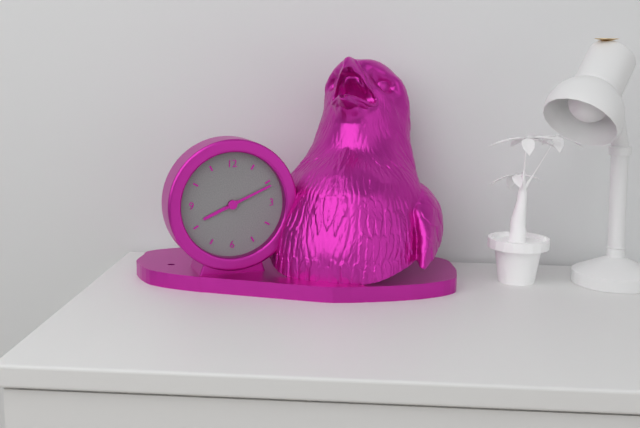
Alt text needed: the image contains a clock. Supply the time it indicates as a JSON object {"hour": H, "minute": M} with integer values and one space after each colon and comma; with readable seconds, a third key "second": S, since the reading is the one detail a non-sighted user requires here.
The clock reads {"hour": 8, "minute": 11}
